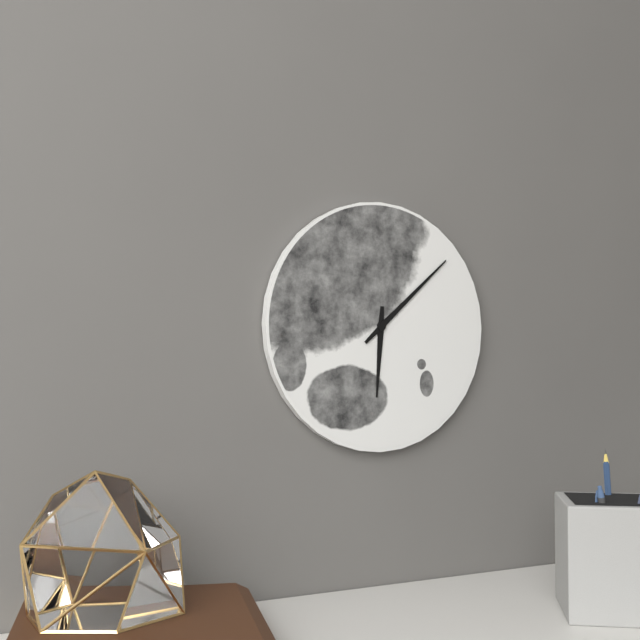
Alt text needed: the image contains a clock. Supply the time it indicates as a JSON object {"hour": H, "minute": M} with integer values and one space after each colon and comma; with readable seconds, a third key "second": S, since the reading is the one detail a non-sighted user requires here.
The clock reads {"hour": 6, "minute": 8}
